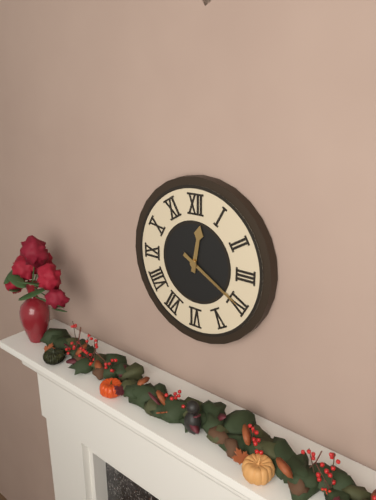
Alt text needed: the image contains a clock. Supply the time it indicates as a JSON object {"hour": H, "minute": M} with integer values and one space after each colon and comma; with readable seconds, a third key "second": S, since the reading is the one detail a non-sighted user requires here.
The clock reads {"hour": 12, "minute": 20}
